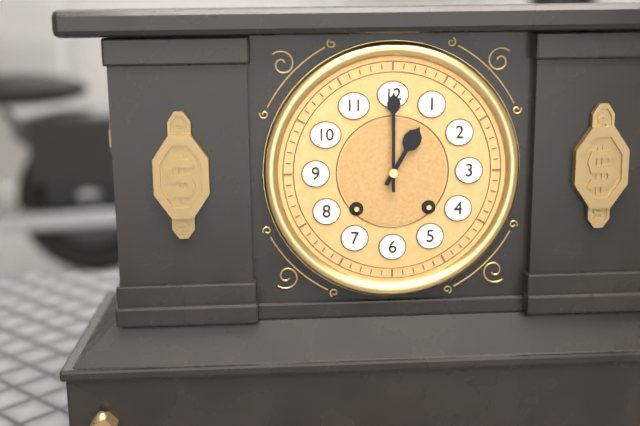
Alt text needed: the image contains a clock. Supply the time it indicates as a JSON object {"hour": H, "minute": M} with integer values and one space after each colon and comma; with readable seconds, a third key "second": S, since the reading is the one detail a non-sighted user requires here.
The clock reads {"hour": 1, "minute": 0}
